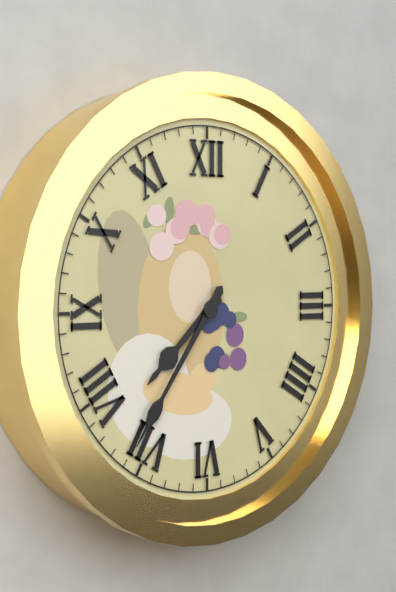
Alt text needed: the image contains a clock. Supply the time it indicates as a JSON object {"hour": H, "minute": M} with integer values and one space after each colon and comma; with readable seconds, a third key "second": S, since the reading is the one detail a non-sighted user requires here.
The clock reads {"hour": 7, "minute": 36}
